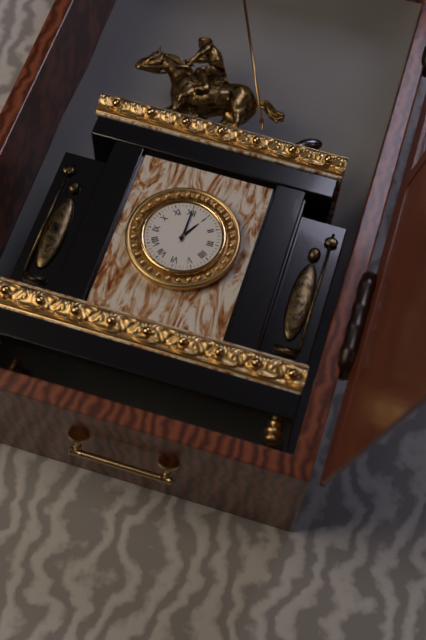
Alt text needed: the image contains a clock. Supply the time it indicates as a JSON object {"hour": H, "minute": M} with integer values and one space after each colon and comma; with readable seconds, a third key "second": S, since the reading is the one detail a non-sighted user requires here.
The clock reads {"hour": 1, "minute": 0}
